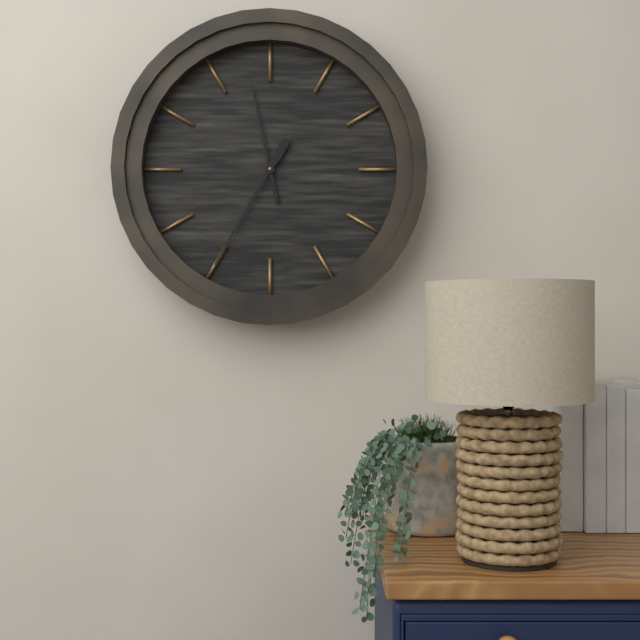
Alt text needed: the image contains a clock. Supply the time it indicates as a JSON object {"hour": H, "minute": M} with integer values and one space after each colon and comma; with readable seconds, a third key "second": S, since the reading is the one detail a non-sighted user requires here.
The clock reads {"hour": 11, "minute": 35}
